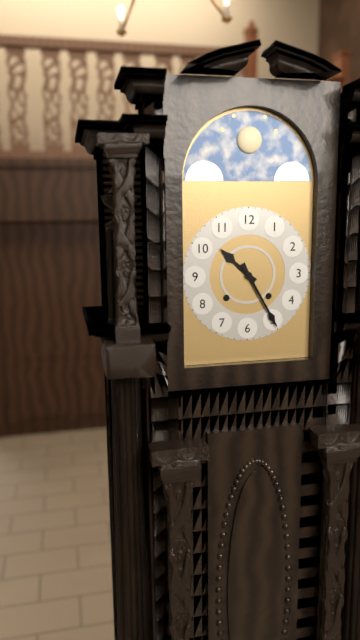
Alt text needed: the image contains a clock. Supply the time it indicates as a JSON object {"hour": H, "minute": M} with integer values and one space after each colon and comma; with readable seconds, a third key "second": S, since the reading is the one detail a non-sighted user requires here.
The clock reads {"hour": 10, "minute": 25}
